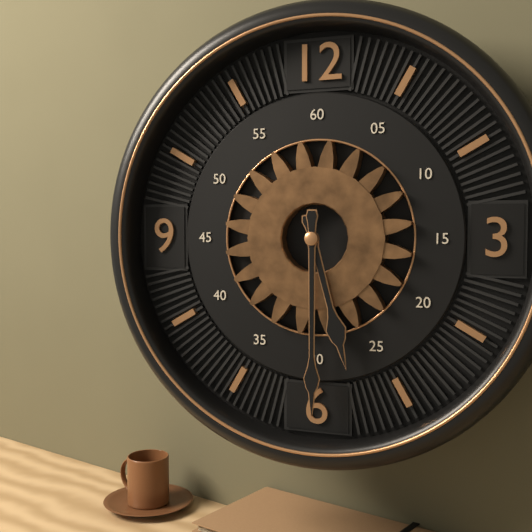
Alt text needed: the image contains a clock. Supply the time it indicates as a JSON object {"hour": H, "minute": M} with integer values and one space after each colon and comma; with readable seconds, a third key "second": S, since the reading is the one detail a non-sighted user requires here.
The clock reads {"hour": 5, "minute": 30}
